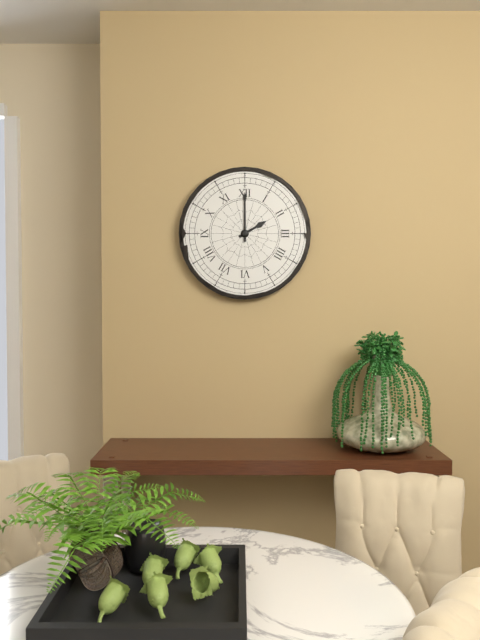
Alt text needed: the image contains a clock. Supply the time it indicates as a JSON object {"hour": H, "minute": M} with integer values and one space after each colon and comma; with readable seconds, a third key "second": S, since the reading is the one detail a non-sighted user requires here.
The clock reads {"hour": 2, "minute": 0}
